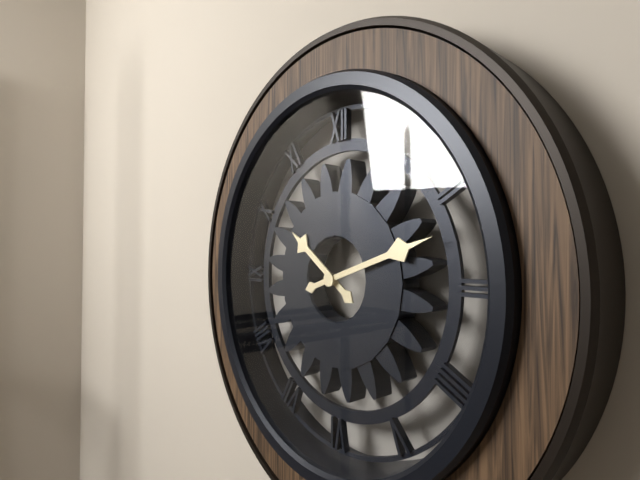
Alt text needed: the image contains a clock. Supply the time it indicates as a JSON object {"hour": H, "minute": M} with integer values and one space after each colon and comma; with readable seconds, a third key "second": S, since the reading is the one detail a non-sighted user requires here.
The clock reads {"hour": 10, "minute": 12}
